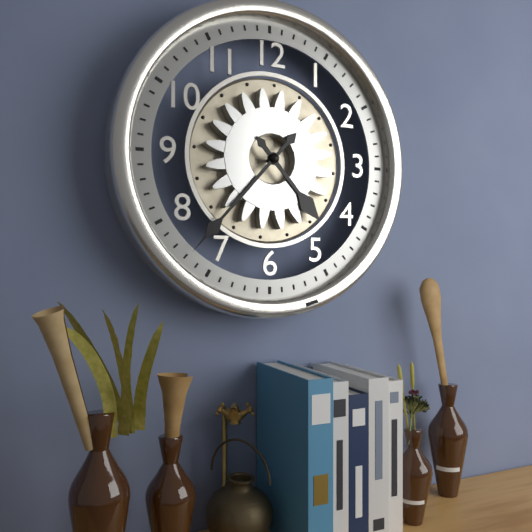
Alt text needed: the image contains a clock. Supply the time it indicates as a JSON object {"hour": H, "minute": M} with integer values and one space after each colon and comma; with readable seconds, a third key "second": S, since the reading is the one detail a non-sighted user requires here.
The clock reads {"hour": 4, "minute": 37}
